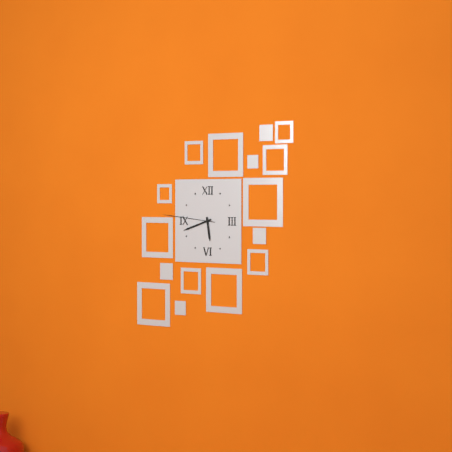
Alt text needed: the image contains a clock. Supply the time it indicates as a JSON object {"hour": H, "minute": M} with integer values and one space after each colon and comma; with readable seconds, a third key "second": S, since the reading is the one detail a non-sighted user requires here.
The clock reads {"hour": 5, "minute": 42, "second": 46}
